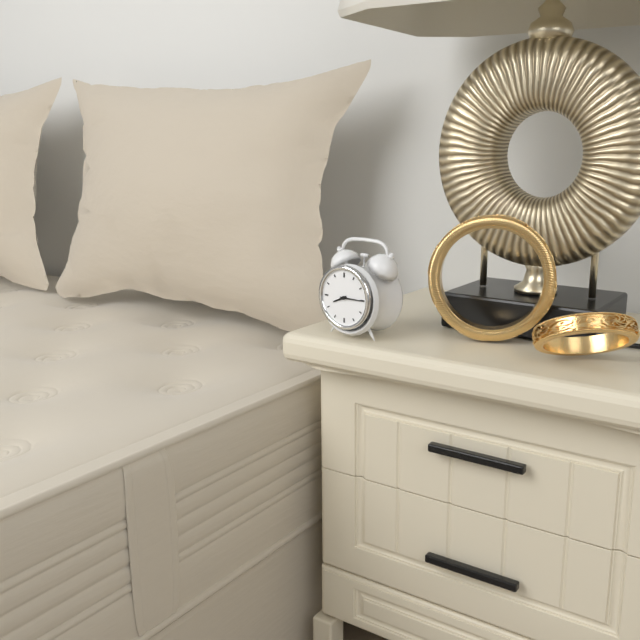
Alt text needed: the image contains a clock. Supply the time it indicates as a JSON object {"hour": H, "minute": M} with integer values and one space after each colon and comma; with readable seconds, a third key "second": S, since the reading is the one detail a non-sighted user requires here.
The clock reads {"hour": 8, "minute": 15}
